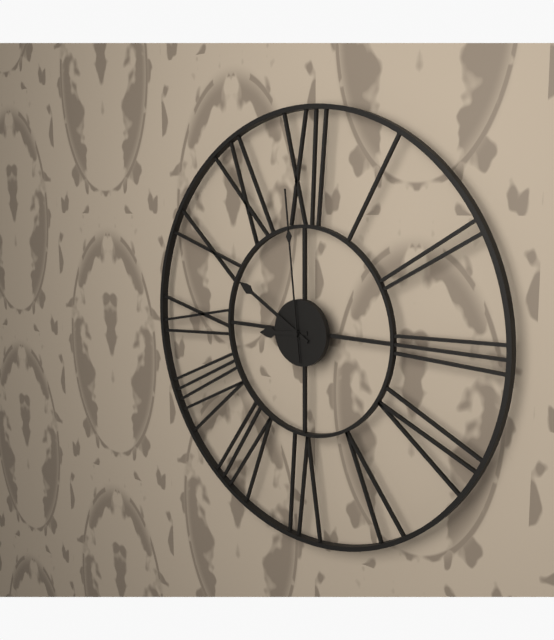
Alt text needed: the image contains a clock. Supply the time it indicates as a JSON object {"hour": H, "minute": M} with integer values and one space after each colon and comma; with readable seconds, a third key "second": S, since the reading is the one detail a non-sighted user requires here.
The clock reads {"hour": 8, "minute": 50, "second": 59}
